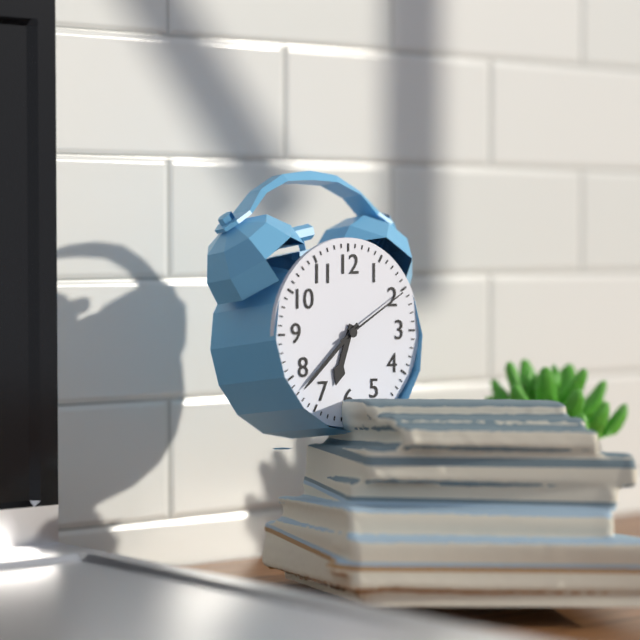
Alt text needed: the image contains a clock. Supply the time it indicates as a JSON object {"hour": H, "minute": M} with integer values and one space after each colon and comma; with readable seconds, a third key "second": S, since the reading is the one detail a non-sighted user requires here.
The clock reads {"hour": 6, "minute": 38, "second": 10}
